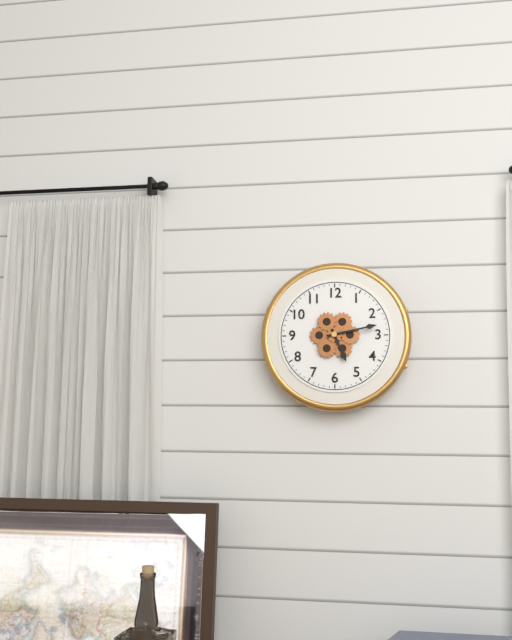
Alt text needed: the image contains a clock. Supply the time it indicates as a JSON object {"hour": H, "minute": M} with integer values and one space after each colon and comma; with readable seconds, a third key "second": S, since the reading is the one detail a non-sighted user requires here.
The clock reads {"hour": 5, "minute": 13}
